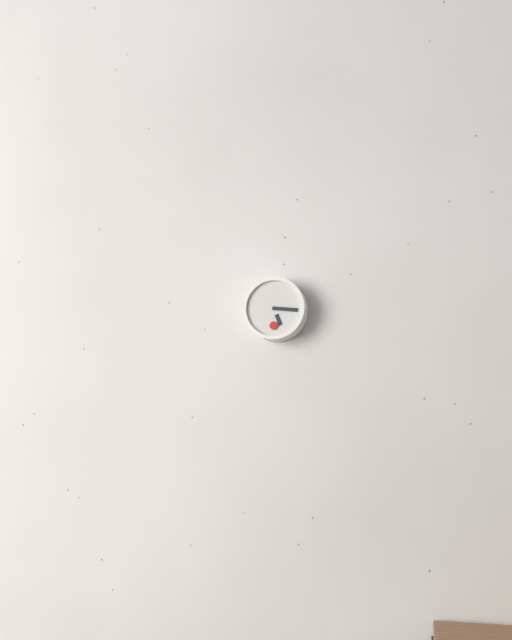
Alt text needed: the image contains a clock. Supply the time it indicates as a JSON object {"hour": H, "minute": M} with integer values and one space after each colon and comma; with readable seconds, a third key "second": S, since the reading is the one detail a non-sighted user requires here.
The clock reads {"hour": 5, "minute": 16}
